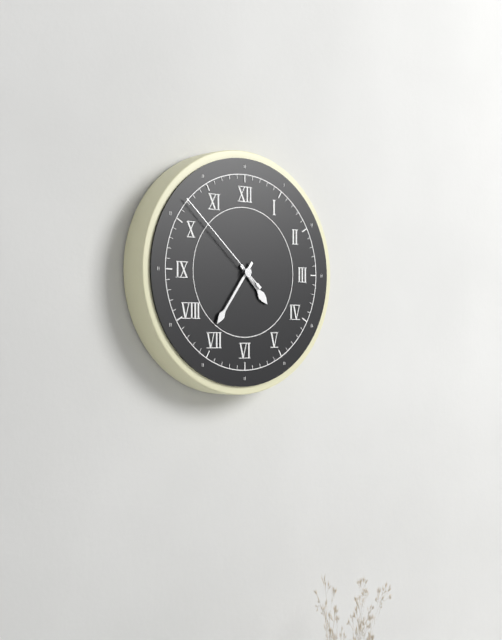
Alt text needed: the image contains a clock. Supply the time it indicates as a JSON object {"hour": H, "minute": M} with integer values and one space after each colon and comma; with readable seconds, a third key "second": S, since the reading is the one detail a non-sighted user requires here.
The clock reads {"hour": 4, "minute": 36, "second": 52}
